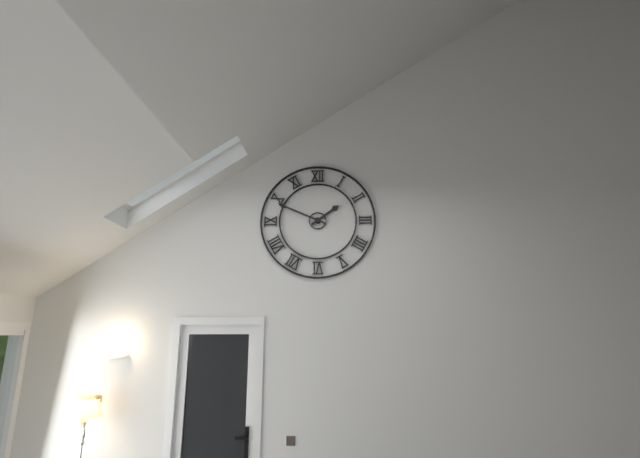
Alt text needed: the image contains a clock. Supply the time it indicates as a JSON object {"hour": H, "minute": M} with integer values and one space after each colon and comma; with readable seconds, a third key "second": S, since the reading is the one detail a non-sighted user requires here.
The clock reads {"hour": 1, "minute": 49}
